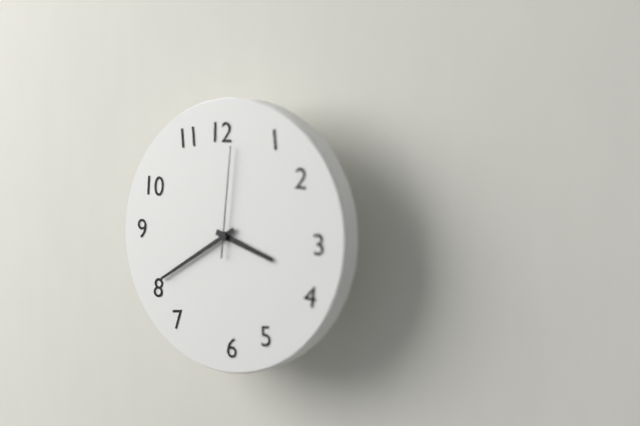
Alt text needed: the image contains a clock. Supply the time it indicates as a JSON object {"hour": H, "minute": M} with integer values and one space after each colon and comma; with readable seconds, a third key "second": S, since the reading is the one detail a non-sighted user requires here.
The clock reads {"hour": 3, "minute": 40, "second": 1}
